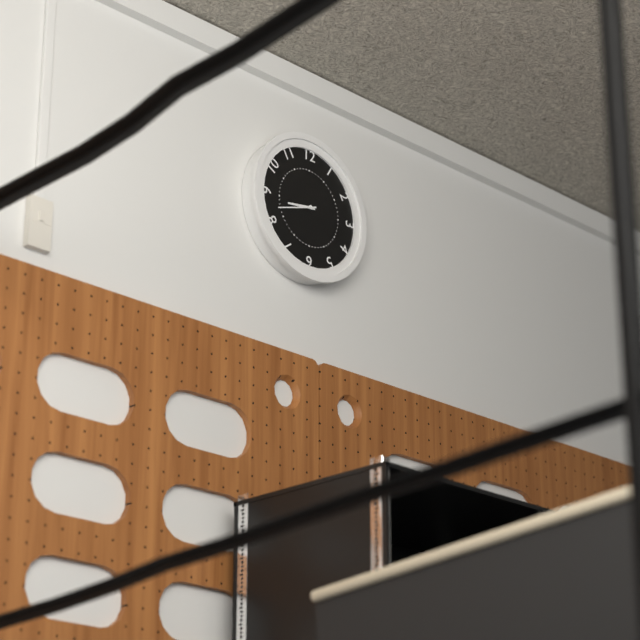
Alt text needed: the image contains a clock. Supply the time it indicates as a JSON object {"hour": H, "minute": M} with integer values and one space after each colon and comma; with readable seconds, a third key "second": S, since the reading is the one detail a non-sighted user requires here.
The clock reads {"hour": 8, "minute": 42}
